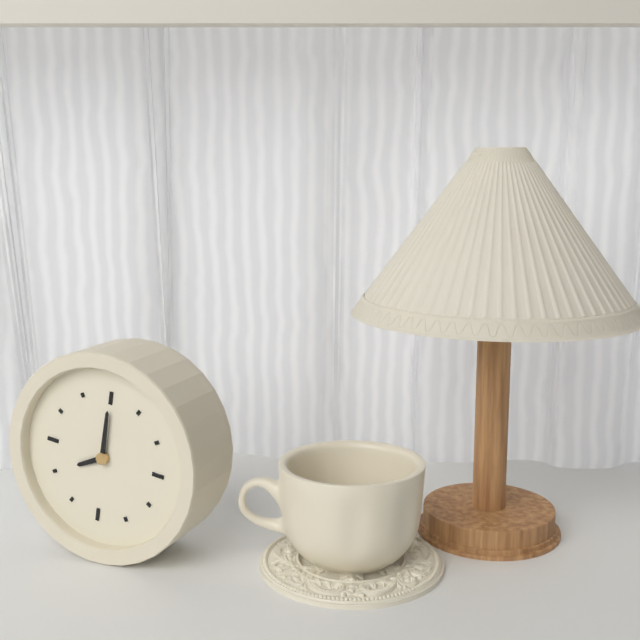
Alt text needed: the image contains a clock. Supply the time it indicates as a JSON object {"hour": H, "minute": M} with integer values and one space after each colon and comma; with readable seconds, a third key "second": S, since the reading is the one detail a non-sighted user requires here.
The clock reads {"hour": 8, "minute": 0}
